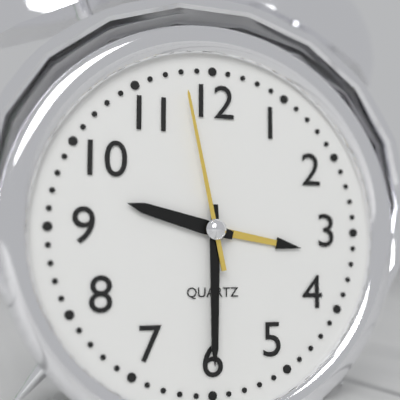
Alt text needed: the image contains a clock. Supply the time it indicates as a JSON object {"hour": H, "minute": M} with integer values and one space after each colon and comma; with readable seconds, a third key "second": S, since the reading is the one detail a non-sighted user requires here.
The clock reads {"hour": 9, "minute": 30, "second": 58}
